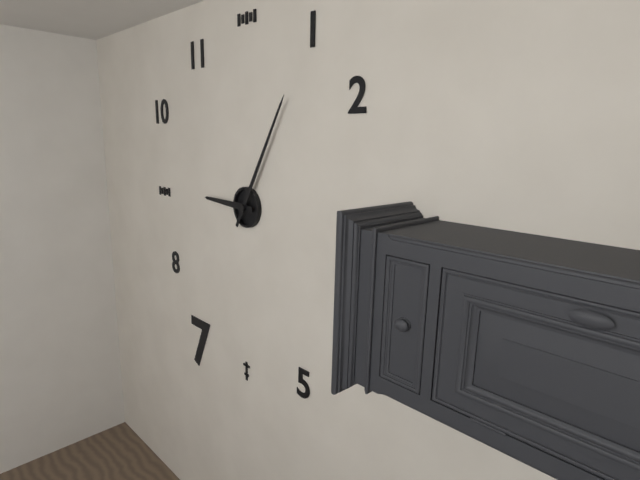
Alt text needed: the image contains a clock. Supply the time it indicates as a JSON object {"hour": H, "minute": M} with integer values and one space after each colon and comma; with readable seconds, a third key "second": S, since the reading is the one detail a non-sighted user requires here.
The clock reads {"hour": 9, "minute": 5}
